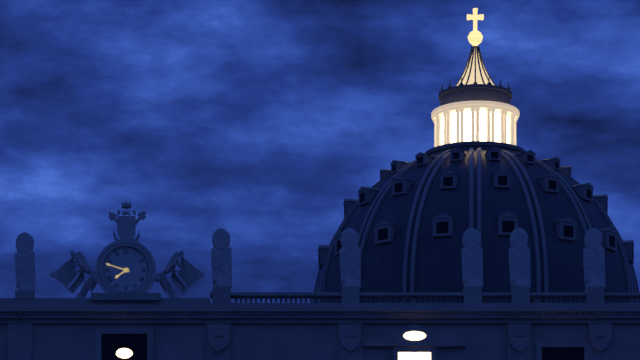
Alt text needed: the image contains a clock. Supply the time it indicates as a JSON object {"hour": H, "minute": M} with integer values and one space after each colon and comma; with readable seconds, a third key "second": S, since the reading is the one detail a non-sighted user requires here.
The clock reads {"hour": 7, "minute": 48}
